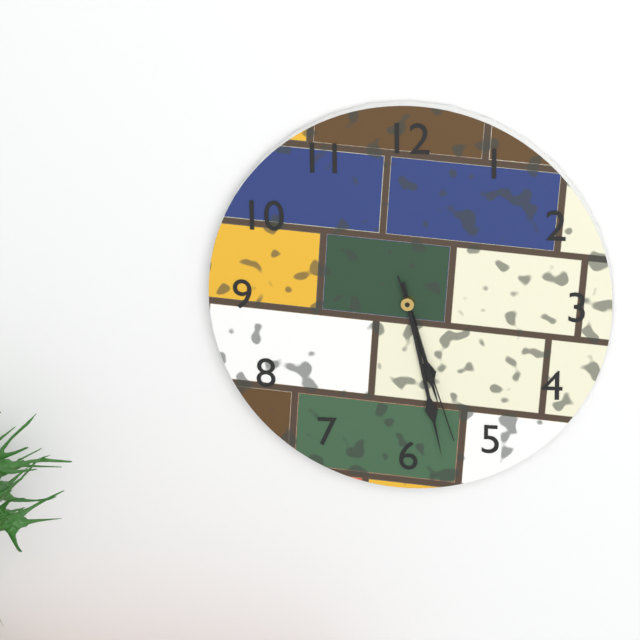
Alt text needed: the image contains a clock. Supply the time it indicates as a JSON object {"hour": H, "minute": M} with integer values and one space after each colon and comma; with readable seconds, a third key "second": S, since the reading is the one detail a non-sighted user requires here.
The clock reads {"hour": 5, "minute": 28, "second": 27}
